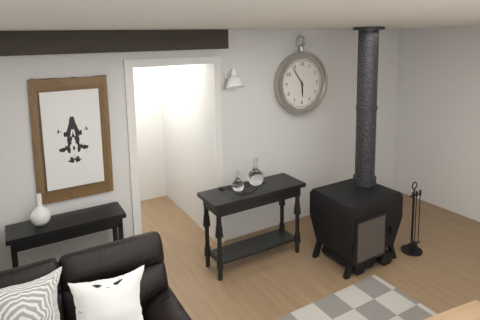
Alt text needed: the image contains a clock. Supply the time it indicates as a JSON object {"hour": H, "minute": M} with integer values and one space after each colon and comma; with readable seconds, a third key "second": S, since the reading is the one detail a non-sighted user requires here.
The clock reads {"hour": 5, "minute": 54}
